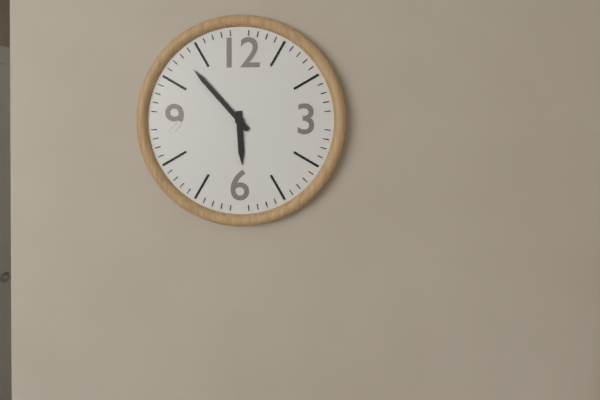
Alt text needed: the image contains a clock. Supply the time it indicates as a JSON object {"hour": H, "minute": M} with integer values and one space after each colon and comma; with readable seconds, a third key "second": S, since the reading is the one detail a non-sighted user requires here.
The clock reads {"hour": 5, "minute": 53}
